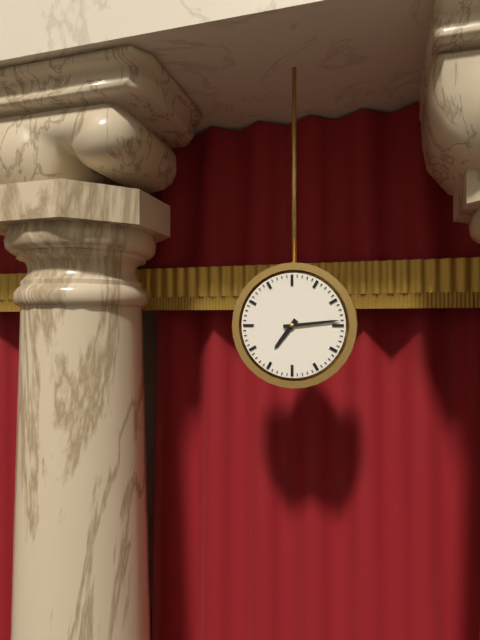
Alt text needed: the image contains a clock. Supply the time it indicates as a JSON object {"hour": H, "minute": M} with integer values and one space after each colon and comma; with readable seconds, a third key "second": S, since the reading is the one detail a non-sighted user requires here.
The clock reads {"hour": 7, "minute": 14}
